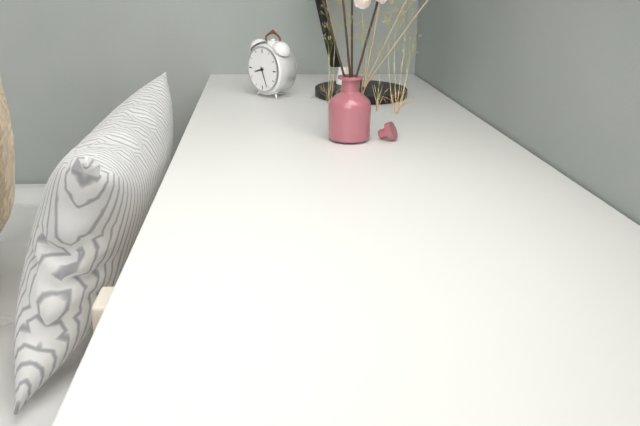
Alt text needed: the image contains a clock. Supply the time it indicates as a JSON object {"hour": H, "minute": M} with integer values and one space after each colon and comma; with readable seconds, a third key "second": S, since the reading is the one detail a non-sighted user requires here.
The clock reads {"hour": 8, "minute": 26}
